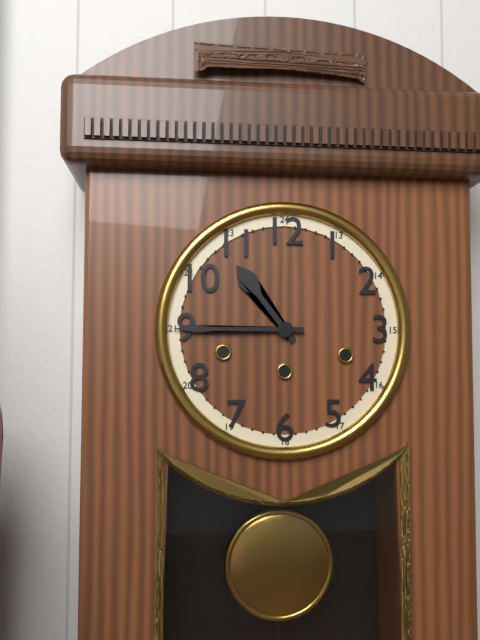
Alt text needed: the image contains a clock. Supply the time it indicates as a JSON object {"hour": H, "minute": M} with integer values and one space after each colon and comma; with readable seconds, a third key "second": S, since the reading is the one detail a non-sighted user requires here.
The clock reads {"hour": 10, "minute": 45}
